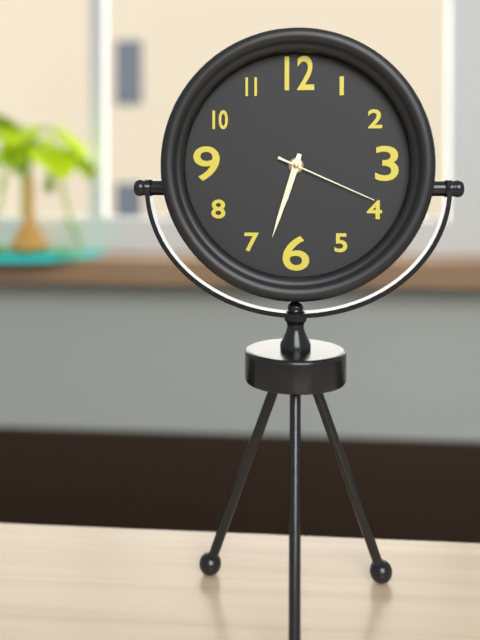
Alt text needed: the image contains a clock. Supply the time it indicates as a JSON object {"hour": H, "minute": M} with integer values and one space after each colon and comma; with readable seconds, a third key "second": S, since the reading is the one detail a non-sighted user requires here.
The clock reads {"hour": 6, "minute": 33, "second": 19}
